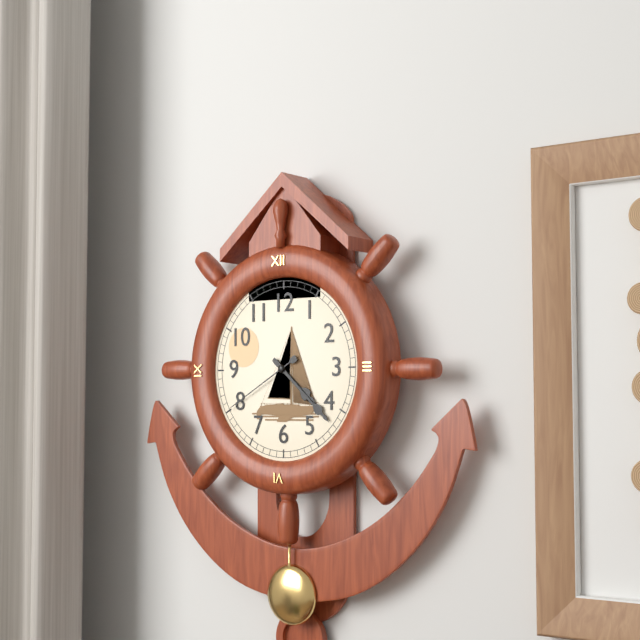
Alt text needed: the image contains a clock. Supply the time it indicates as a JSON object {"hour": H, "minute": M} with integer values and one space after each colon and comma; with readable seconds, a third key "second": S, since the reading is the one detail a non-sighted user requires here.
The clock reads {"hour": 4, "minute": 22, "second": 40}
